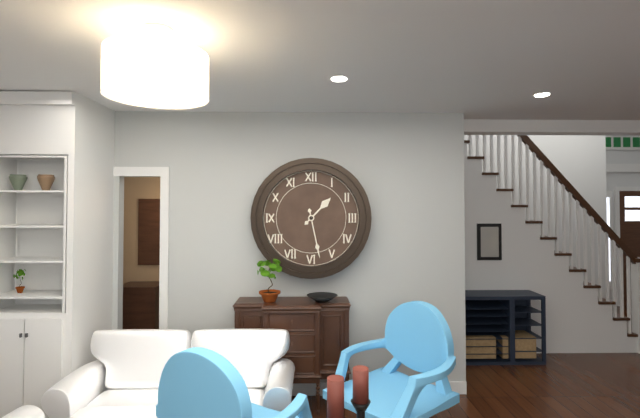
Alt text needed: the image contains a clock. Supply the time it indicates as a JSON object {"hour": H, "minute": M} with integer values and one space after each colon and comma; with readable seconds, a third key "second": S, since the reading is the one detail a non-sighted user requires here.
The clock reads {"hour": 1, "minute": 28}
